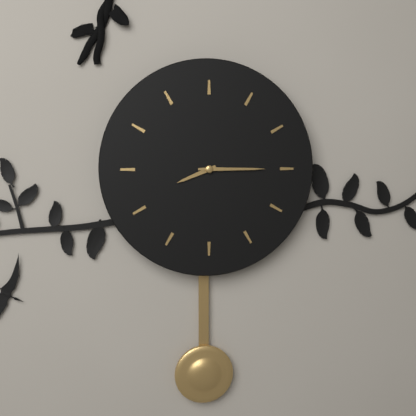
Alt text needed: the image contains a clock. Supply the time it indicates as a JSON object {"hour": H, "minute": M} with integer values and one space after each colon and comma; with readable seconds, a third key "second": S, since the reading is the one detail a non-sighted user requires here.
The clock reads {"hour": 8, "minute": 15}
